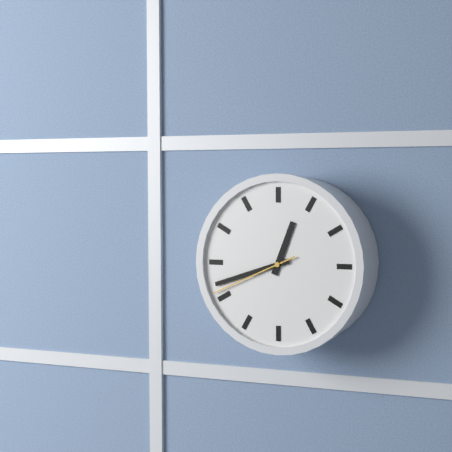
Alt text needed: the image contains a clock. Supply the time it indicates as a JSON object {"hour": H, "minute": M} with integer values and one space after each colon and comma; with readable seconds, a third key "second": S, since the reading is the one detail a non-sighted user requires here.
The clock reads {"hour": 12, "minute": 42, "second": 41}
